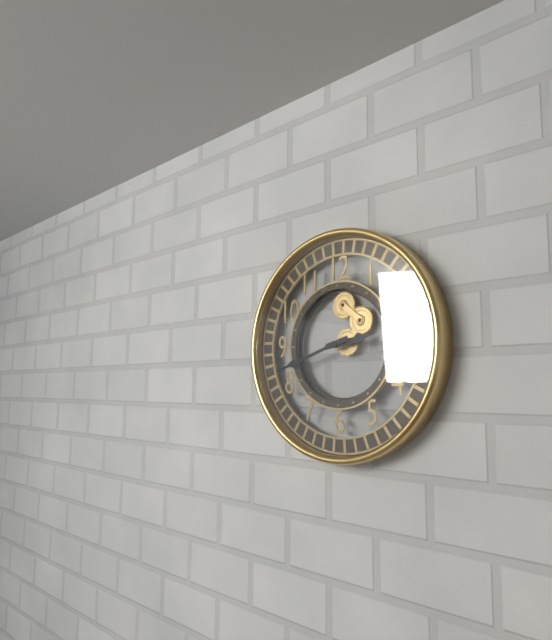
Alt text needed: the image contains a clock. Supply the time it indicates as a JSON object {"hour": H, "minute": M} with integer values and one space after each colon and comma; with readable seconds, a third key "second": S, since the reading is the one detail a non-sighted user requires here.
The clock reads {"hour": 2, "minute": 42}
